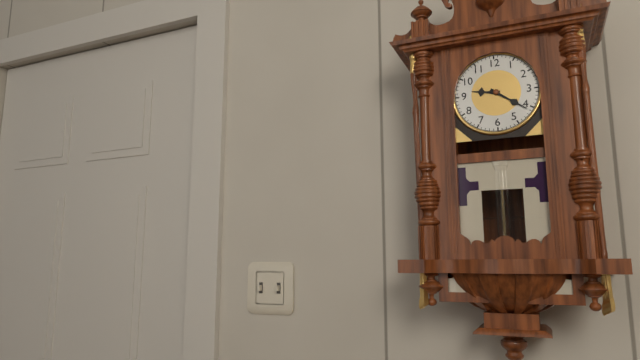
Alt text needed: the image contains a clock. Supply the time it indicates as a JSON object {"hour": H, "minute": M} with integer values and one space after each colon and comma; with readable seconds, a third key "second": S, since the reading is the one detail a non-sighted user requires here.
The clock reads {"hour": 9, "minute": 21}
